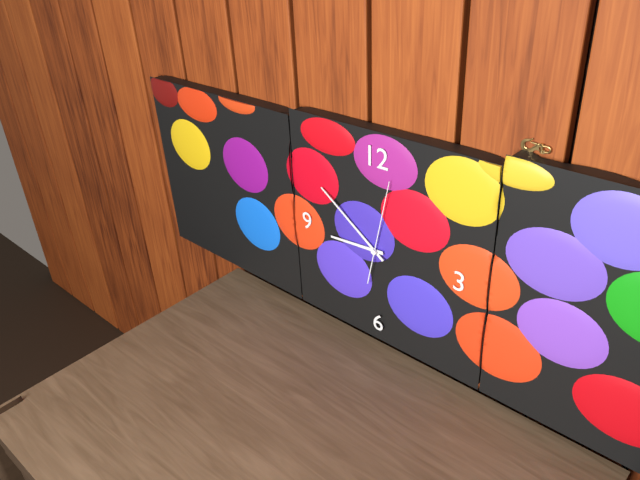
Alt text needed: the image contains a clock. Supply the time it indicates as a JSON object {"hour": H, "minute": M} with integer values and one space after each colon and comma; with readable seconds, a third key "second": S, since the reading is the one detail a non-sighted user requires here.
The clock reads {"hour": 8, "minute": 51, "second": 2}
